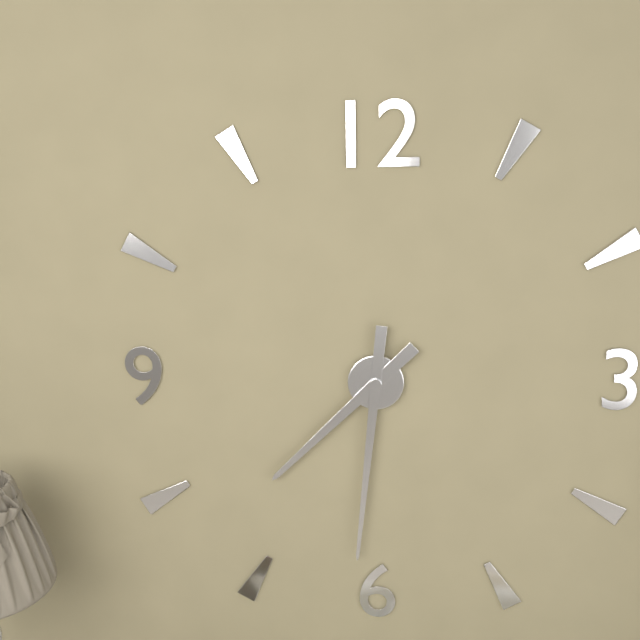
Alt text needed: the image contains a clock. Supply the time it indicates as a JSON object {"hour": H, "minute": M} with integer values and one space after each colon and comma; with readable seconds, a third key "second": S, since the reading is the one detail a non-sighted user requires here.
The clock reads {"hour": 7, "minute": 31}
